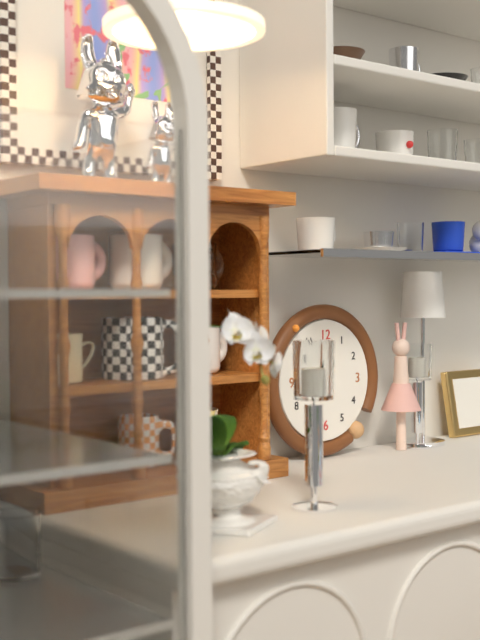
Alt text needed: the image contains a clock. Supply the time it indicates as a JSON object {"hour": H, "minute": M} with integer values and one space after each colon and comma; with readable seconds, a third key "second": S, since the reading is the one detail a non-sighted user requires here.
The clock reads {"hour": 1, "minute": 1}
